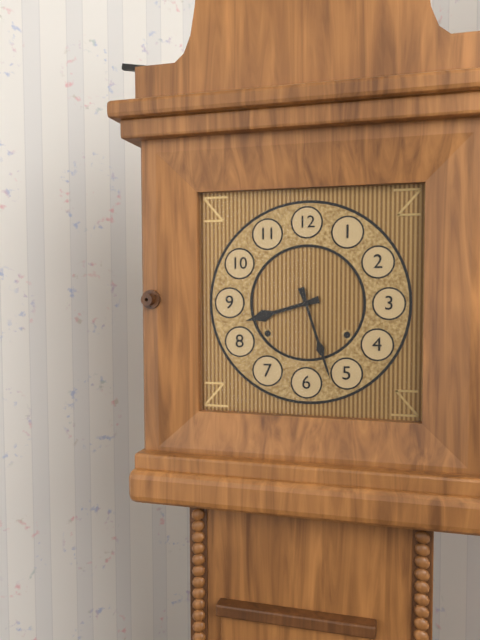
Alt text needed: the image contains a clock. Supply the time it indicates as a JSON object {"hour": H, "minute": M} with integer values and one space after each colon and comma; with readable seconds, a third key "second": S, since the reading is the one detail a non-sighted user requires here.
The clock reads {"hour": 8, "minute": 27}
